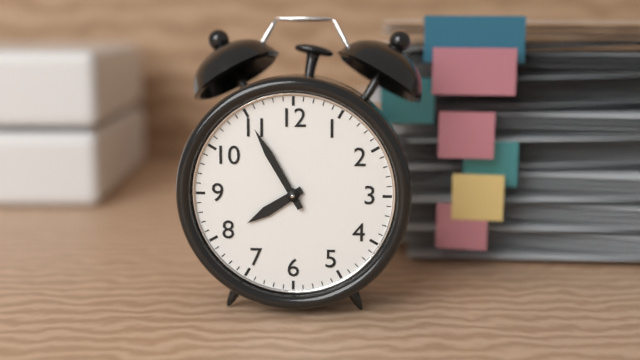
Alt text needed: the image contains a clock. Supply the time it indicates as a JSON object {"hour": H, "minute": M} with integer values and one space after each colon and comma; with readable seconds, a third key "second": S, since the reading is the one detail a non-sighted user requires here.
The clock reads {"hour": 7, "minute": 55}
